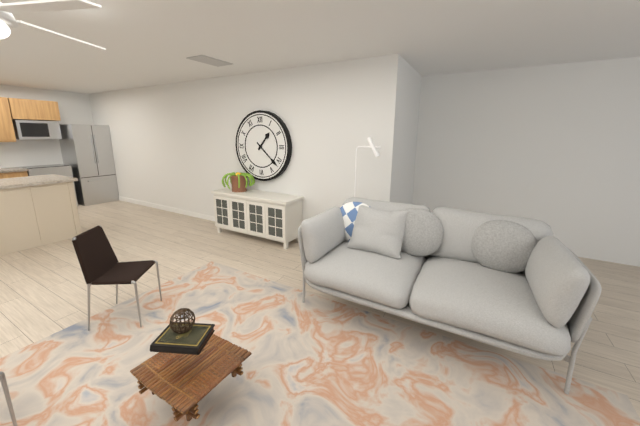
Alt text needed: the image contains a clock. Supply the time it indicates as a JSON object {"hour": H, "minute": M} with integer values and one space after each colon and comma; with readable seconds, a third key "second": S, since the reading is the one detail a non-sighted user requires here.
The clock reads {"hour": 1, "minute": 22}
